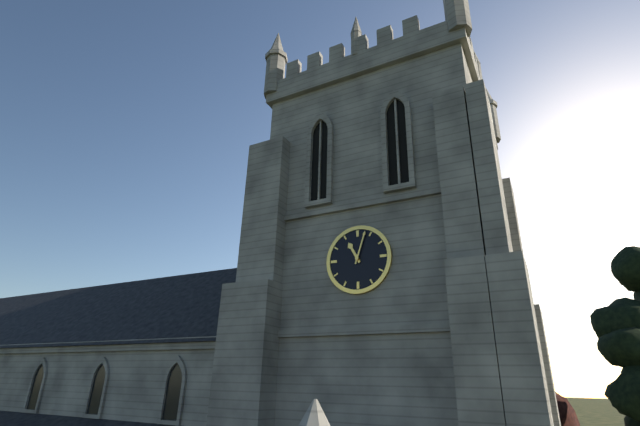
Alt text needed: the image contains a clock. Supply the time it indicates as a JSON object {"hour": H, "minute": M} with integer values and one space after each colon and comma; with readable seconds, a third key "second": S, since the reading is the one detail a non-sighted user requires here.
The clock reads {"hour": 11, "minute": 3}
